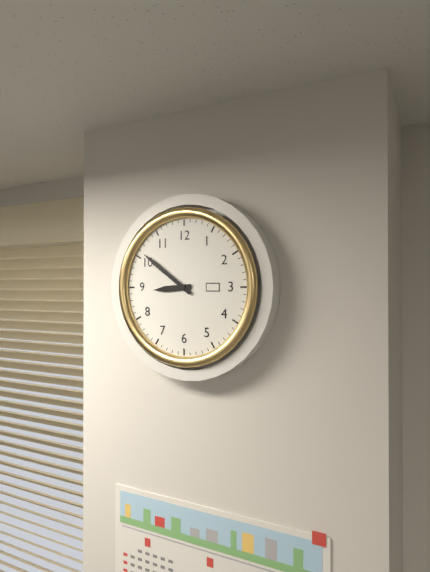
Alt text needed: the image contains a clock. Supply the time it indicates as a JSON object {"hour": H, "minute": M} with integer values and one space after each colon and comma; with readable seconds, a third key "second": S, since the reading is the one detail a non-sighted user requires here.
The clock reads {"hour": 8, "minute": 51}
